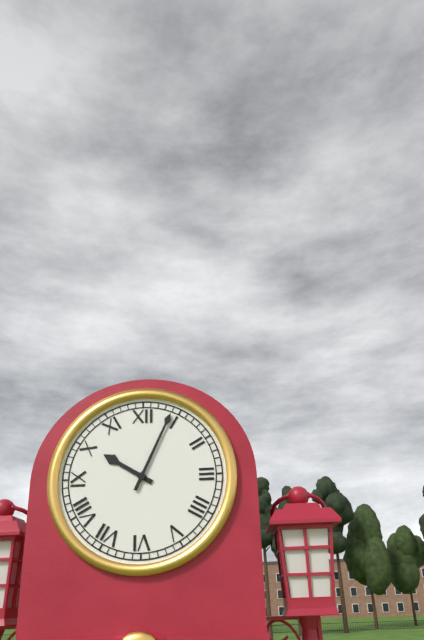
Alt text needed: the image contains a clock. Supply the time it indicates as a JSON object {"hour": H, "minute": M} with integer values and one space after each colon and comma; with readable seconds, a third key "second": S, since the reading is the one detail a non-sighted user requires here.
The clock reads {"hour": 10, "minute": 4}
